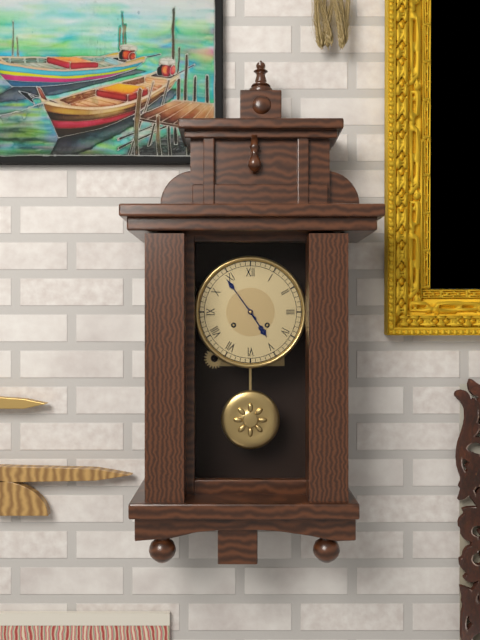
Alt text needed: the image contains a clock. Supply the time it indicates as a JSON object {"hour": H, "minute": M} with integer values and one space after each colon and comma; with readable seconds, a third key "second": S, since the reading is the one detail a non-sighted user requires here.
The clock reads {"hour": 4, "minute": 54}
